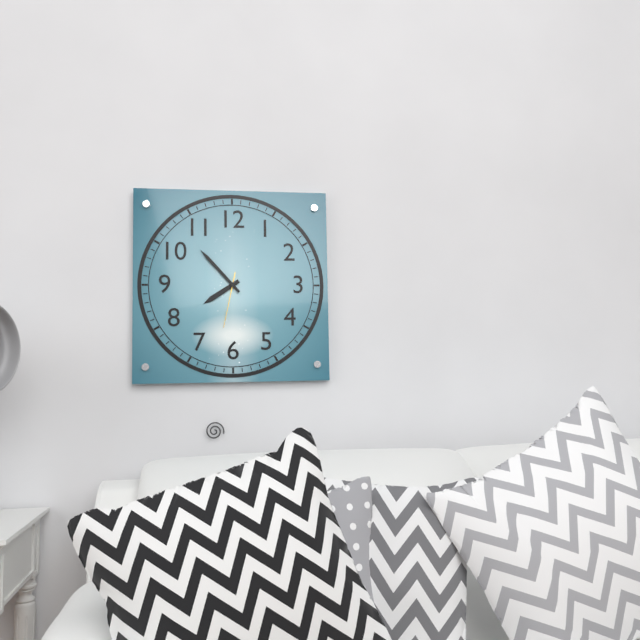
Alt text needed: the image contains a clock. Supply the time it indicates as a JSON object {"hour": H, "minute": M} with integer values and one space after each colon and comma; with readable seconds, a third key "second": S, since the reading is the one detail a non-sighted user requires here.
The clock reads {"hour": 7, "minute": 53, "second": 32}
